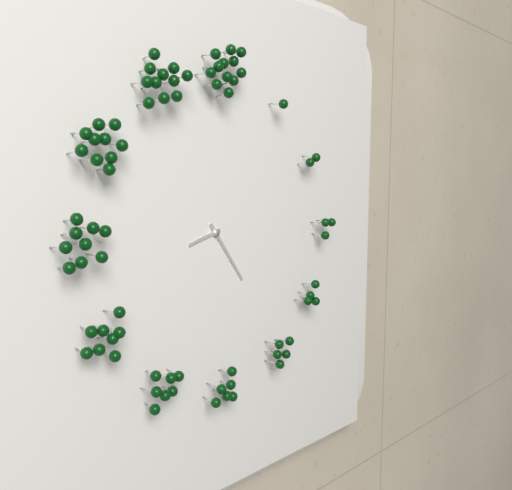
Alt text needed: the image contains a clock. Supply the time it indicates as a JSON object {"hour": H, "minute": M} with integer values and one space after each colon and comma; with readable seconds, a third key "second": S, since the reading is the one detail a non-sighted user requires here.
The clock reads {"hour": 8, "minute": 24}
